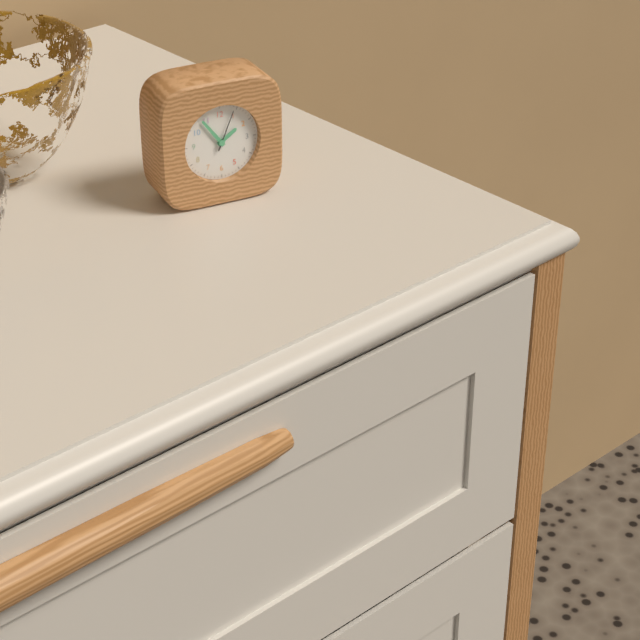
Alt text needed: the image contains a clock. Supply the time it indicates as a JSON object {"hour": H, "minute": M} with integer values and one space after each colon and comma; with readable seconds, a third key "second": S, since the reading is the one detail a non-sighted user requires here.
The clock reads {"hour": 1, "minute": 54}
